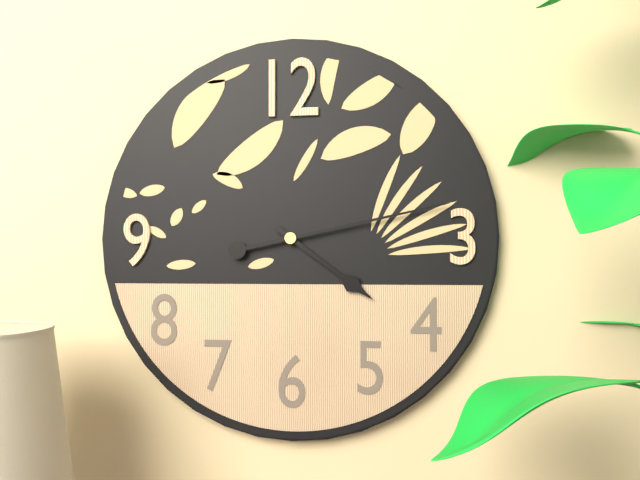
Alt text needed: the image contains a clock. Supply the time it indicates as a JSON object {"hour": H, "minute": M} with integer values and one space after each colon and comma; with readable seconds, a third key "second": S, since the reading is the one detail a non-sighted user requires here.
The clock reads {"hour": 4, "minute": 13}
